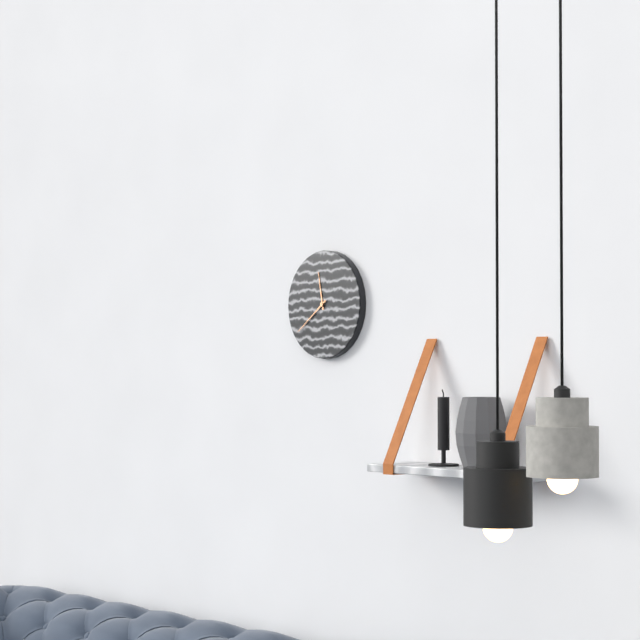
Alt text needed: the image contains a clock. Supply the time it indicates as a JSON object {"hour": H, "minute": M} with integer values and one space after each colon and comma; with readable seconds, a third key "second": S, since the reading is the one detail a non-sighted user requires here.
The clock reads {"hour": 11, "minute": 39}
